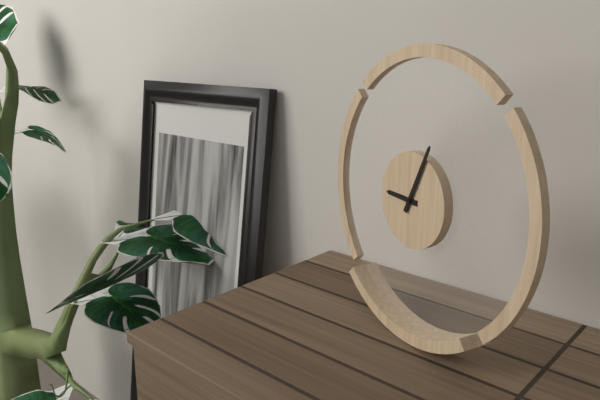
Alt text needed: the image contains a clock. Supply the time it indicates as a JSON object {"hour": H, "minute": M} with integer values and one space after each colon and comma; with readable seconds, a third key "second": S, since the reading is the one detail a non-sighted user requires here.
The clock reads {"hour": 9, "minute": 4}
